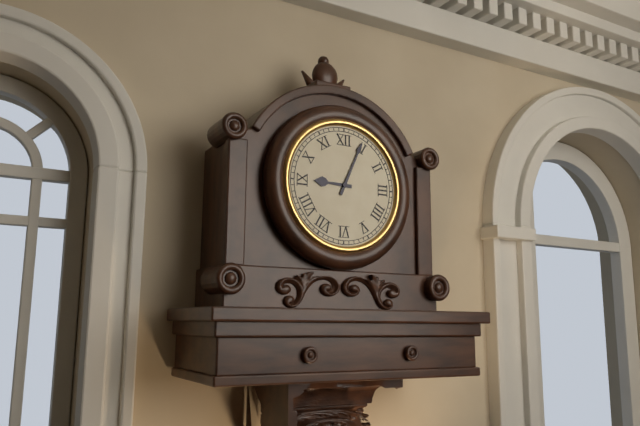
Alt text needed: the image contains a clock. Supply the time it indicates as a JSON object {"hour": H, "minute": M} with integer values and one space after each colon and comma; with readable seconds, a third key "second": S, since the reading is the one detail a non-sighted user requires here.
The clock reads {"hour": 9, "minute": 4}
